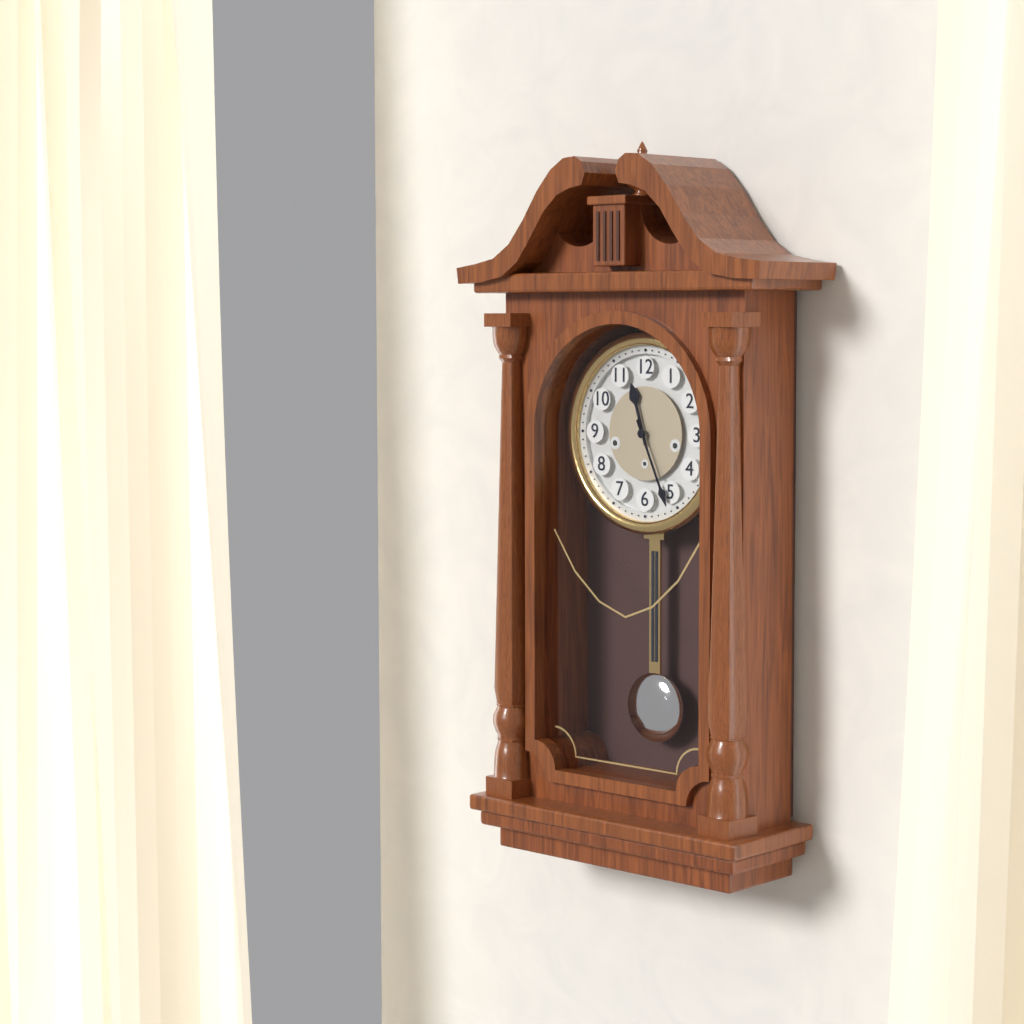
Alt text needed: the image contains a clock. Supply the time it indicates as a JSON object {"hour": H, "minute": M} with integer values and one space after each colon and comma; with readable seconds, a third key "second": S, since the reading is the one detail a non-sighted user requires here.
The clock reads {"hour": 11, "minute": 26}
